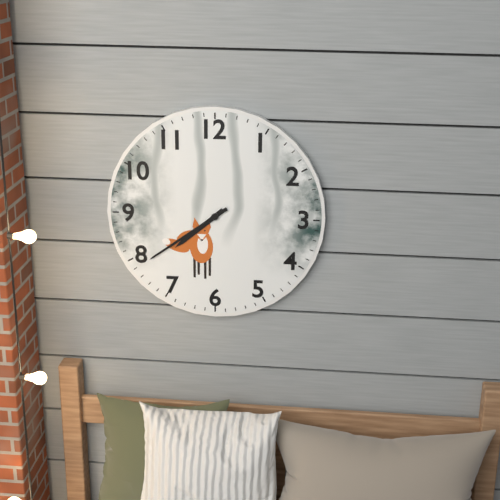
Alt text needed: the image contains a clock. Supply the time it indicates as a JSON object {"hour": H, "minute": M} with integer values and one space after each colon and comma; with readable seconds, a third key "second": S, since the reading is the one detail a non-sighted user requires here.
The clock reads {"hour": 7, "minute": 39}
